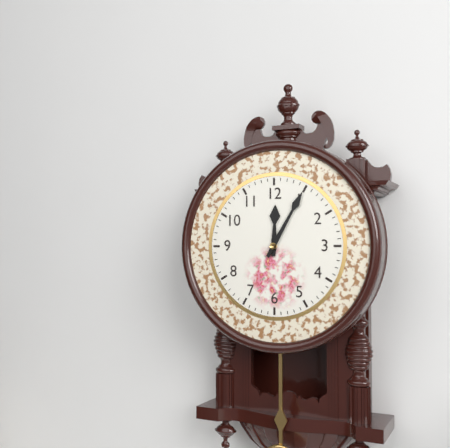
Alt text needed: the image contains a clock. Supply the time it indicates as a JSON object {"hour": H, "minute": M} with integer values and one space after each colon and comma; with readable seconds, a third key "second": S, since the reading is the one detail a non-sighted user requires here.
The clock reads {"hour": 12, "minute": 5}
